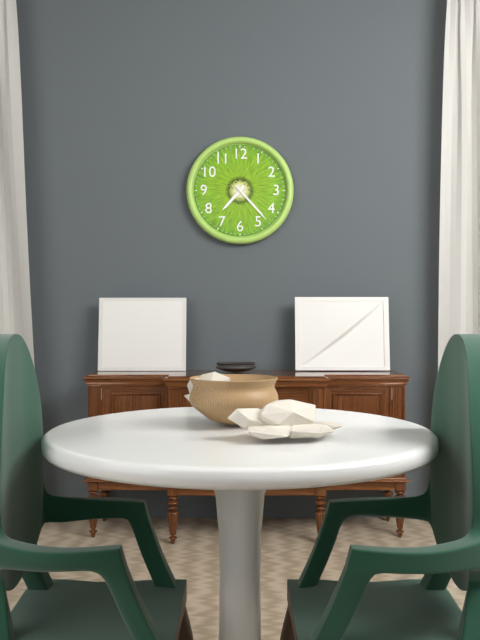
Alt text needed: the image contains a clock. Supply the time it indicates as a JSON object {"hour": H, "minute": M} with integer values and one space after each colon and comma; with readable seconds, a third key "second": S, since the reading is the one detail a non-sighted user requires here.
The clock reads {"hour": 7, "minute": 23}
